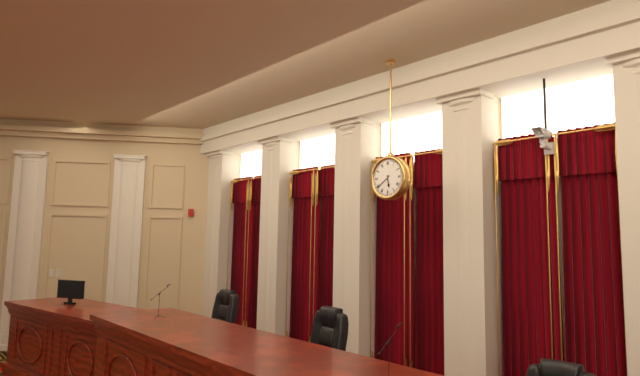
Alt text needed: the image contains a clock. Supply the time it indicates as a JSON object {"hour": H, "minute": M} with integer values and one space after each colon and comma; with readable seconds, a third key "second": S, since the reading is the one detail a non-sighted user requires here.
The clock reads {"hour": 5, "minute": 39}
